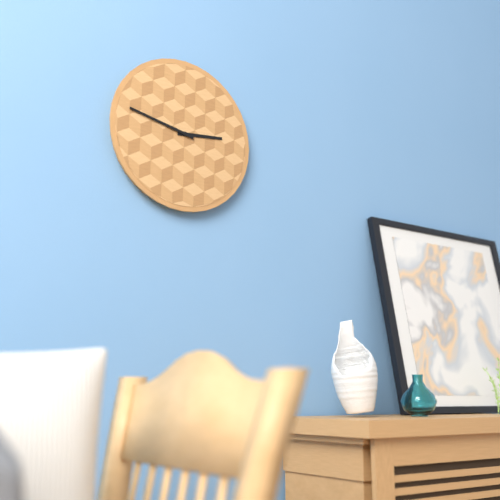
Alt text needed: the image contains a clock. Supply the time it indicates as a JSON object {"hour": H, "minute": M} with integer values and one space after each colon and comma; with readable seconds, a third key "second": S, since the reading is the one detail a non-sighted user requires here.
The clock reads {"hour": 2, "minute": 47}
